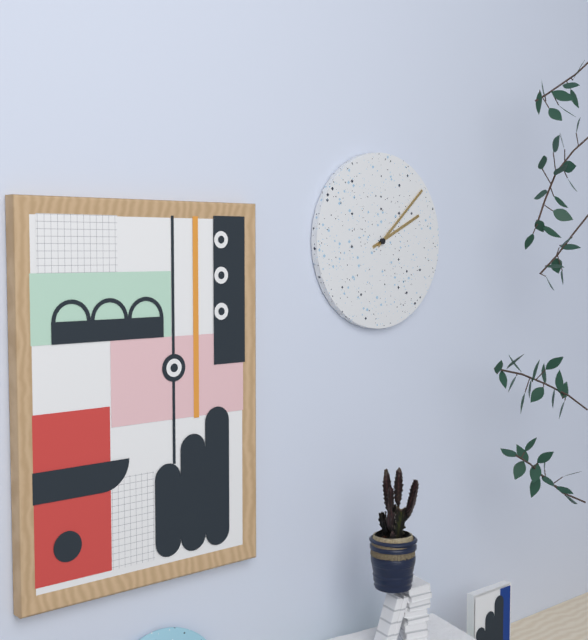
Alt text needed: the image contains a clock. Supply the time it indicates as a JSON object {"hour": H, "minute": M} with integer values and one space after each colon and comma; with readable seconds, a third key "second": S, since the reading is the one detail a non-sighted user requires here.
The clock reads {"hour": 2, "minute": 8}
